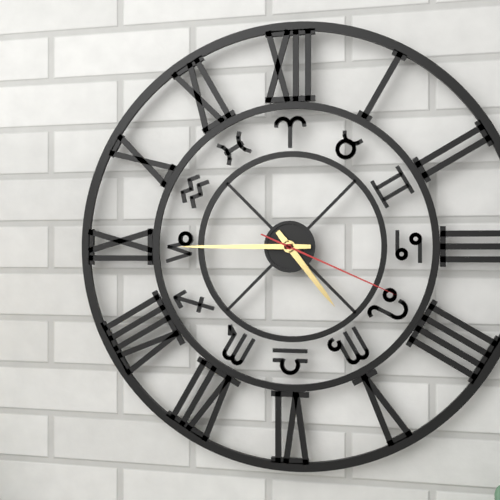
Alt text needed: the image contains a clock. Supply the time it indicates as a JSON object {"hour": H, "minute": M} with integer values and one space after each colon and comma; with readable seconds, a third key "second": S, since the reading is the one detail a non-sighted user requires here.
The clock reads {"hour": 4, "minute": 45, "second": 19}
